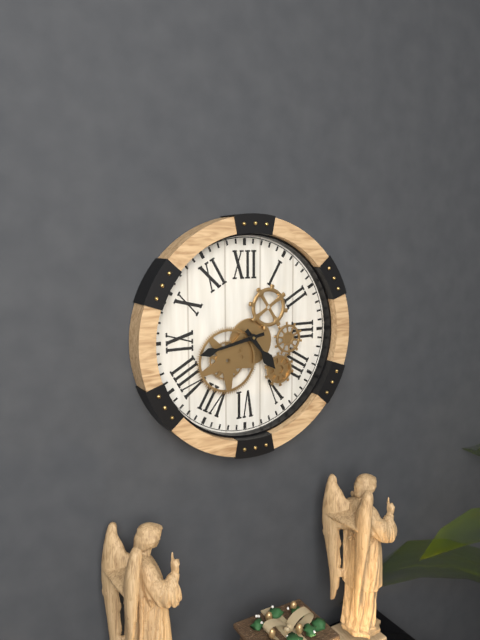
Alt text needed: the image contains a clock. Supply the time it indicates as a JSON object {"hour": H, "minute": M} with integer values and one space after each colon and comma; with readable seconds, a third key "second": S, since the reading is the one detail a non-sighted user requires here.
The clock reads {"hour": 4, "minute": 43}
